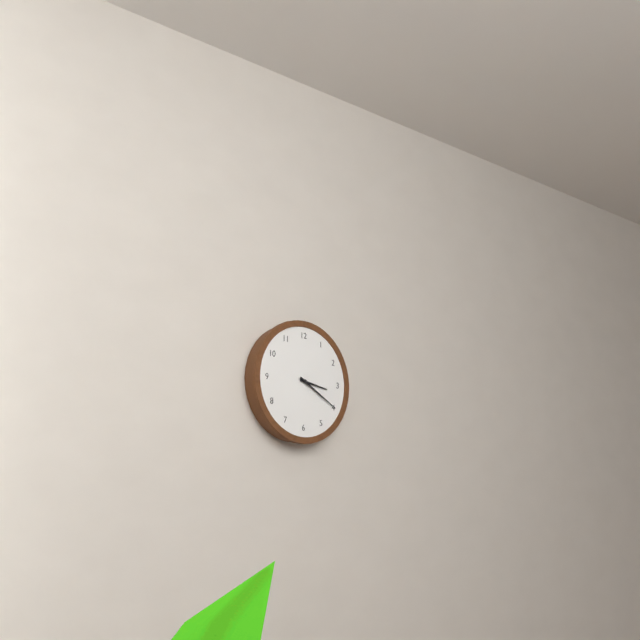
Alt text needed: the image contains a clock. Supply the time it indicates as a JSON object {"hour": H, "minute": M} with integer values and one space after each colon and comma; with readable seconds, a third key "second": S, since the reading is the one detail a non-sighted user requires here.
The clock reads {"hour": 3, "minute": 20}
